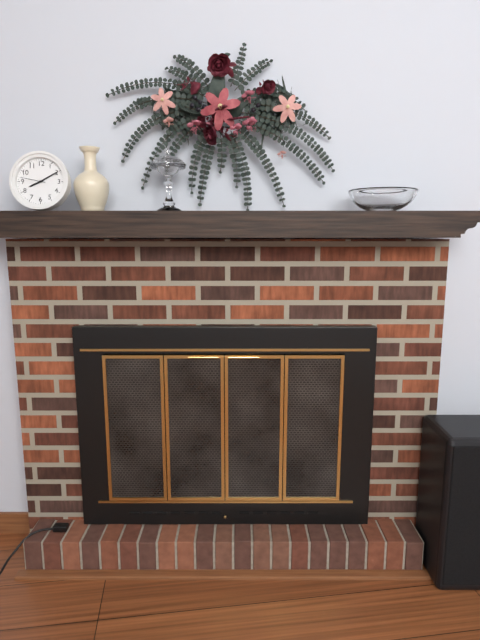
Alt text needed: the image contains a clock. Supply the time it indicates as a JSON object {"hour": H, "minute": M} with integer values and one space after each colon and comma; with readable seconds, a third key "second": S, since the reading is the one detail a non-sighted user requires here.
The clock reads {"hour": 8, "minute": 10}
